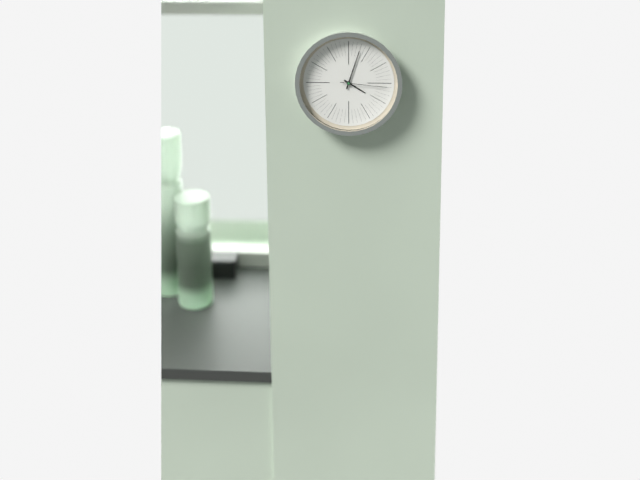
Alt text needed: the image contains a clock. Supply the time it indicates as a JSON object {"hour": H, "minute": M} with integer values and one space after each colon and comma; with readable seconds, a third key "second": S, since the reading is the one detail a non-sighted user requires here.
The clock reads {"hour": 4, "minute": 3}
